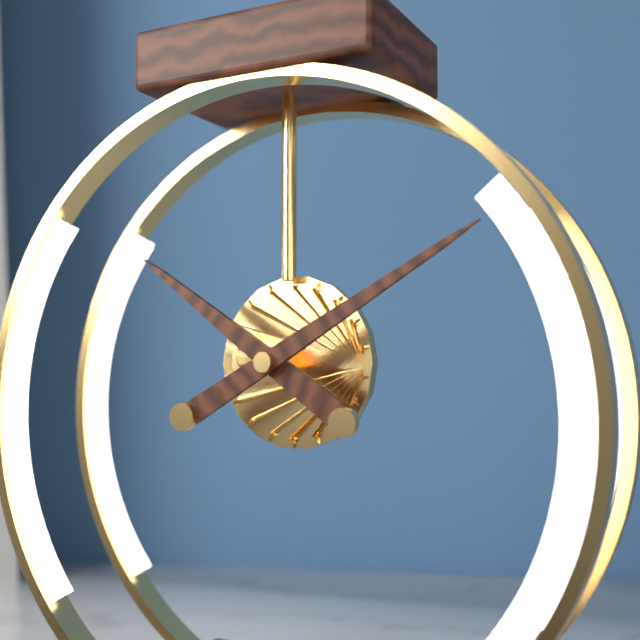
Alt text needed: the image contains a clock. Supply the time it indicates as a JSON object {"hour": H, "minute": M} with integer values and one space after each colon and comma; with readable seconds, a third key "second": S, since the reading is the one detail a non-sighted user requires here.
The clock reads {"hour": 10, "minute": 10}
